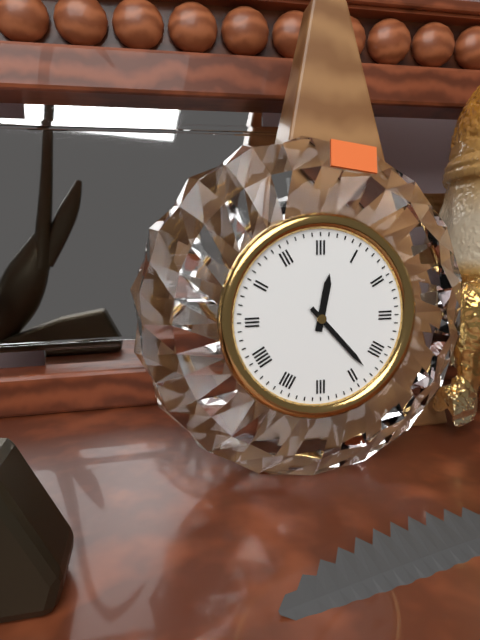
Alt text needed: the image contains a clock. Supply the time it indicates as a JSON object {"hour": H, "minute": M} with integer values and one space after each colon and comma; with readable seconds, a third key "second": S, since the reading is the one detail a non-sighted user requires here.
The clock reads {"hour": 12, "minute": 23}
